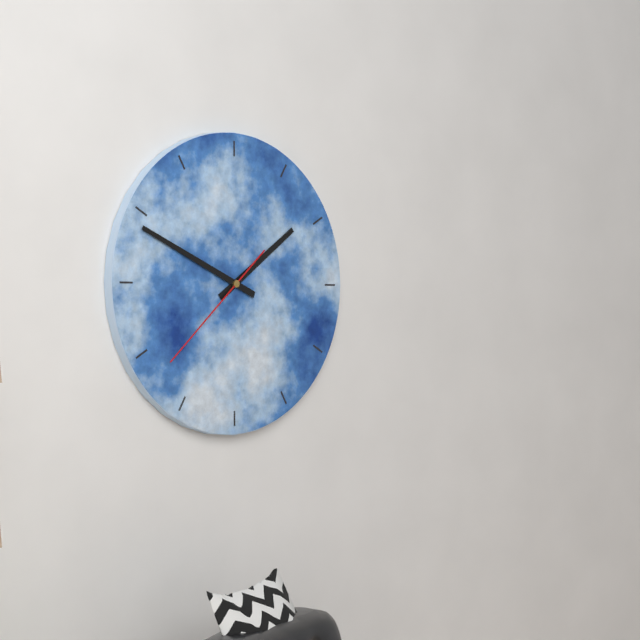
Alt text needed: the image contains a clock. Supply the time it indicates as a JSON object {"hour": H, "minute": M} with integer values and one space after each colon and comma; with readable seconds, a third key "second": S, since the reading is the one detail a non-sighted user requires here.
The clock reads {"hour": 1, "minute": 49, "second": 38}
